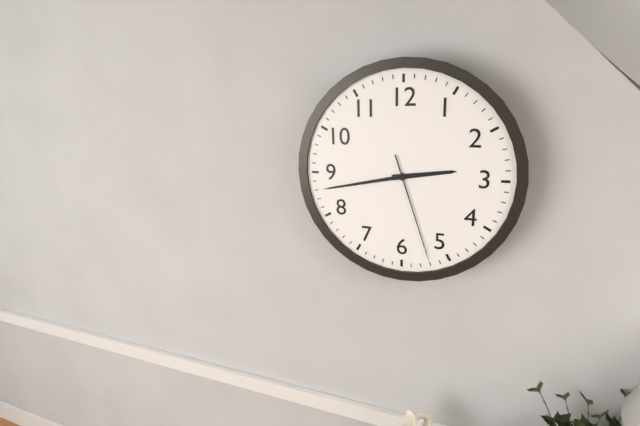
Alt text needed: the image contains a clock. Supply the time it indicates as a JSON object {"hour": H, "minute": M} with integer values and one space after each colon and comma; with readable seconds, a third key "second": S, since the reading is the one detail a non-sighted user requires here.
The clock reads {"hour": 2, "minute": 43, "second": 27}
